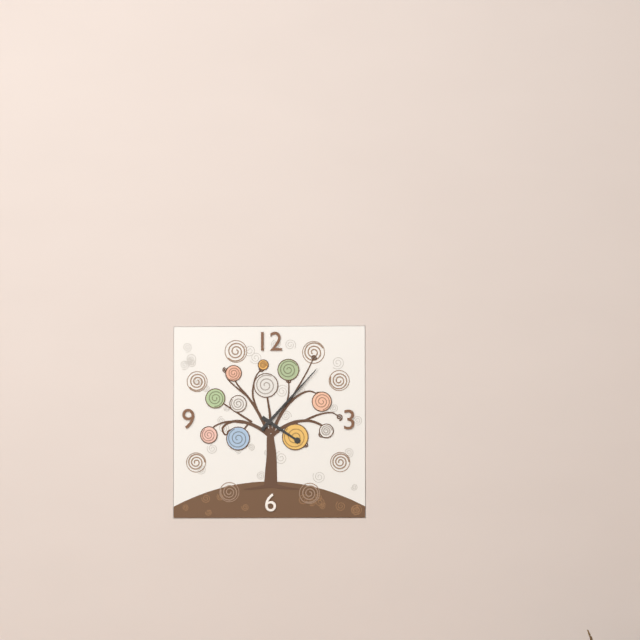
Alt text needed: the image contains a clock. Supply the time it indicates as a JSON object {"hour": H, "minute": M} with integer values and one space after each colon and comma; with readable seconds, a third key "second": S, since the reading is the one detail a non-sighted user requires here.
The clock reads {"hour": 4, "minute": 7}
